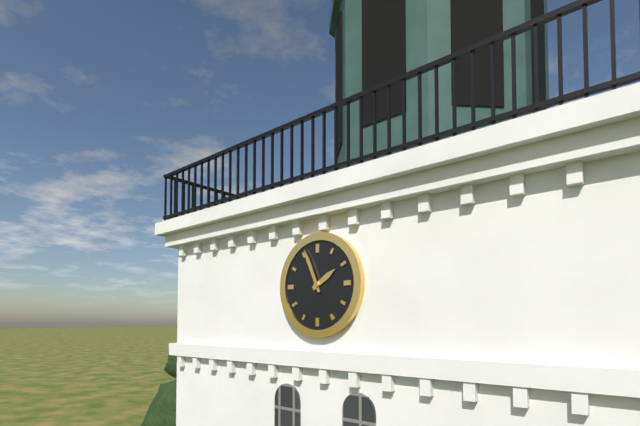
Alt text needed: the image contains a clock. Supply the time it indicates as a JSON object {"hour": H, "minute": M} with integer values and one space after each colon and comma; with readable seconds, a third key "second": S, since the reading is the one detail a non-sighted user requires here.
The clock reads {"hour": 1, "minute": 56}
